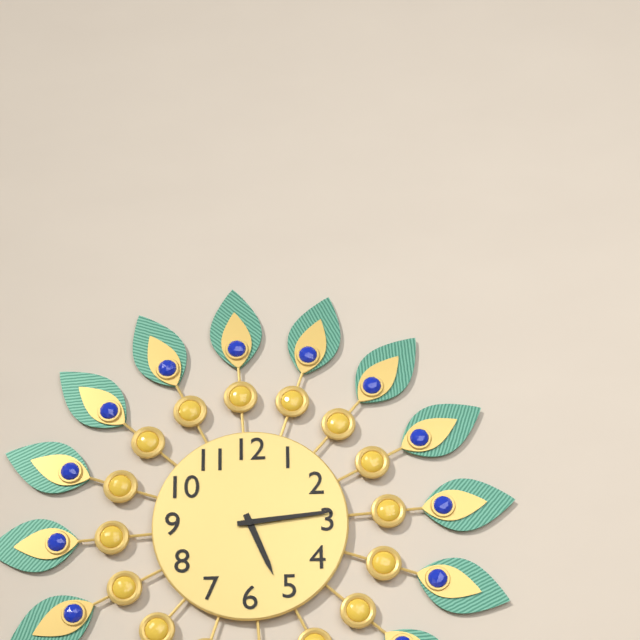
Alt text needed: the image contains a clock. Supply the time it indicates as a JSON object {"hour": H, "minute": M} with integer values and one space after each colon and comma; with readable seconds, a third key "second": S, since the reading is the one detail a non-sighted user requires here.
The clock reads {"hour": 5, "minute": 14}
